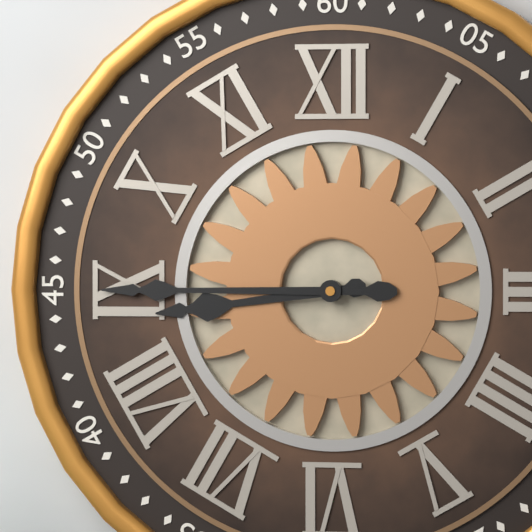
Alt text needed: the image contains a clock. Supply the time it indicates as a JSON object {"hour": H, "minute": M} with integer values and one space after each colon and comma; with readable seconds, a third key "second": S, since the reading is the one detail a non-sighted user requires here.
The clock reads {"hour": 8, "minute": 45}
